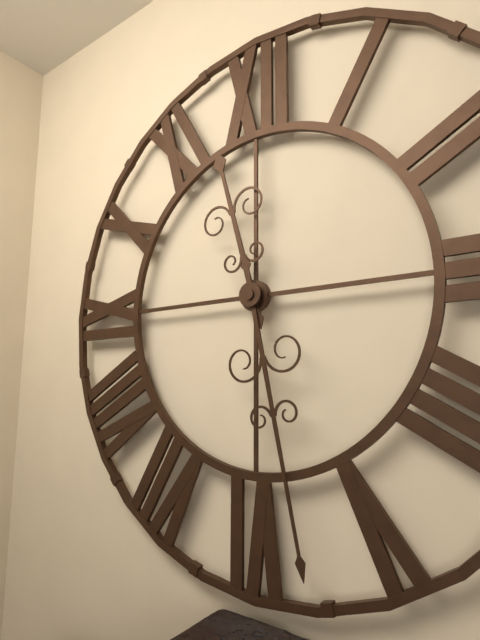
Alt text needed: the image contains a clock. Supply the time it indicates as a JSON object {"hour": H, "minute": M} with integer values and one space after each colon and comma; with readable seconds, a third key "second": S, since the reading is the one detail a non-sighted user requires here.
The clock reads {"hour": 11, "minute": 28}
